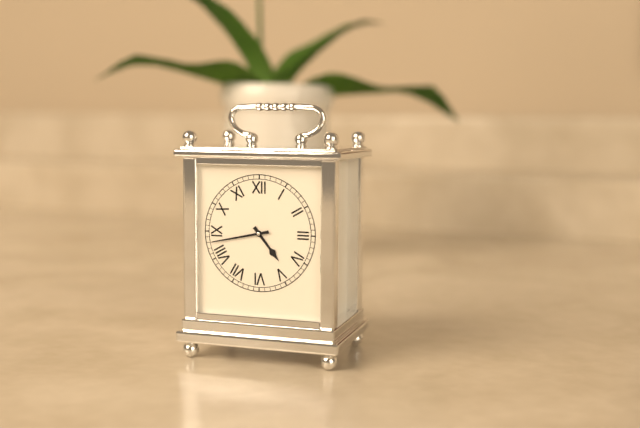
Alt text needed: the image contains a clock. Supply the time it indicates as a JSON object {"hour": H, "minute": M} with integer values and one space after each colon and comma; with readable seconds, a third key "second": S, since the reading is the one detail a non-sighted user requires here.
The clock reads {"hour": 4, "minute": 43}
